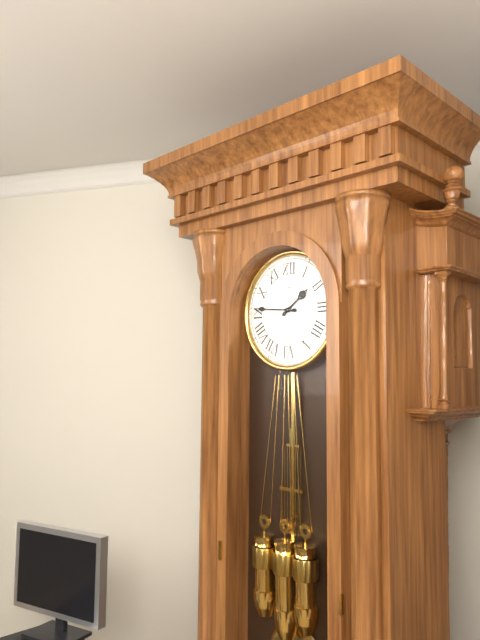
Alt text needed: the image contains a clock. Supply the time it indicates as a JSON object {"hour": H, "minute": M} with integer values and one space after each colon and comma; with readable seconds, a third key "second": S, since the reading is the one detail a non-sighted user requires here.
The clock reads {"hour": 1, "minute": 46}
